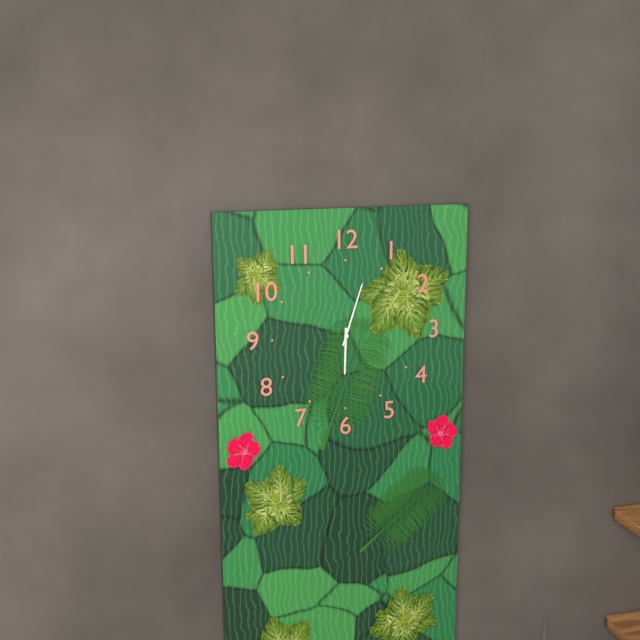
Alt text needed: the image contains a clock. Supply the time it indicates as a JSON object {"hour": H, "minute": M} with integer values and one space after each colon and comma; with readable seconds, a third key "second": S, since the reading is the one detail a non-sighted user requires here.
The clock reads {"hour": 6, "minute": 3}
